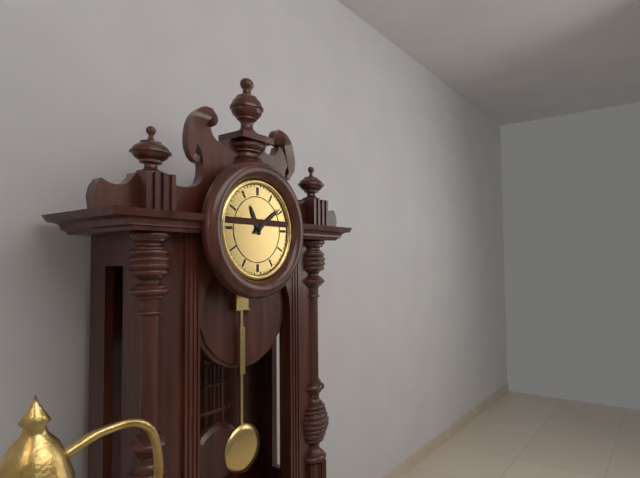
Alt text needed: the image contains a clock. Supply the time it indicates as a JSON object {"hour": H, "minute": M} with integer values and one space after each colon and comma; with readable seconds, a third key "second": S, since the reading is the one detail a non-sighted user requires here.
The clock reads {"hour": 11, "minute": 9}
